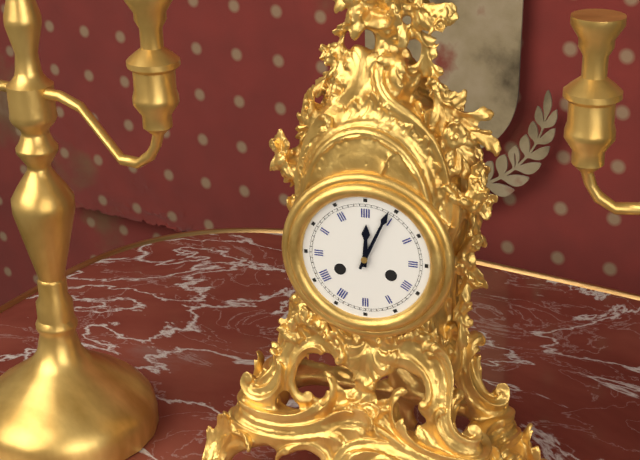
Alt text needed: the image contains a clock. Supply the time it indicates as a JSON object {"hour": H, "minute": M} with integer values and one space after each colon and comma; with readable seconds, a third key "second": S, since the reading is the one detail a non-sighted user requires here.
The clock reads {"hour": 12, "minute": 4}
